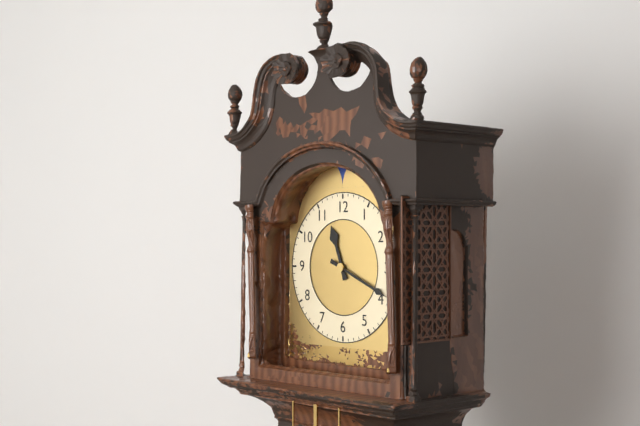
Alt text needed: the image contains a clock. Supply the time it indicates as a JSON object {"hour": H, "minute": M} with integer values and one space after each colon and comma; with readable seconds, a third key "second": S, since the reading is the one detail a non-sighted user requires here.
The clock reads {"hour": 11, "minute": 19}
